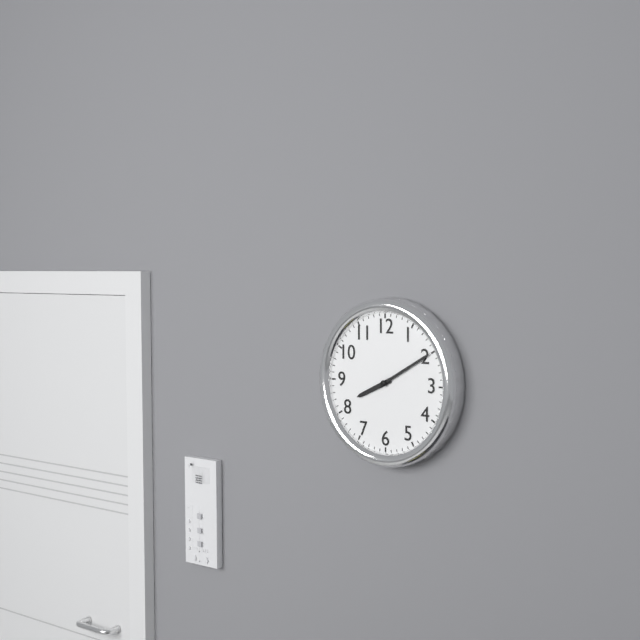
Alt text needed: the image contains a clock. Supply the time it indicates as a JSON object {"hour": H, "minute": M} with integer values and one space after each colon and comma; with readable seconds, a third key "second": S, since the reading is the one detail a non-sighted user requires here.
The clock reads {"hour": 8, "minute": 10}
